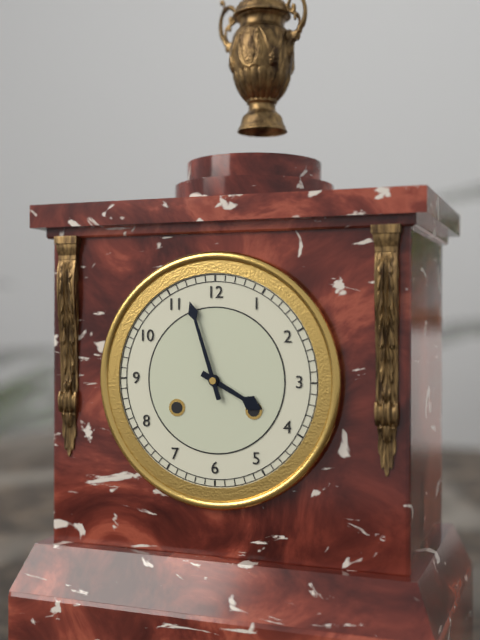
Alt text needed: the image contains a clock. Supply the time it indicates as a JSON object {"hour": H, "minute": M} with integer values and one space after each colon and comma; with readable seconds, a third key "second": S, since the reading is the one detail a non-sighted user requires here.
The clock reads {"hour": 3, "minute": 57}
